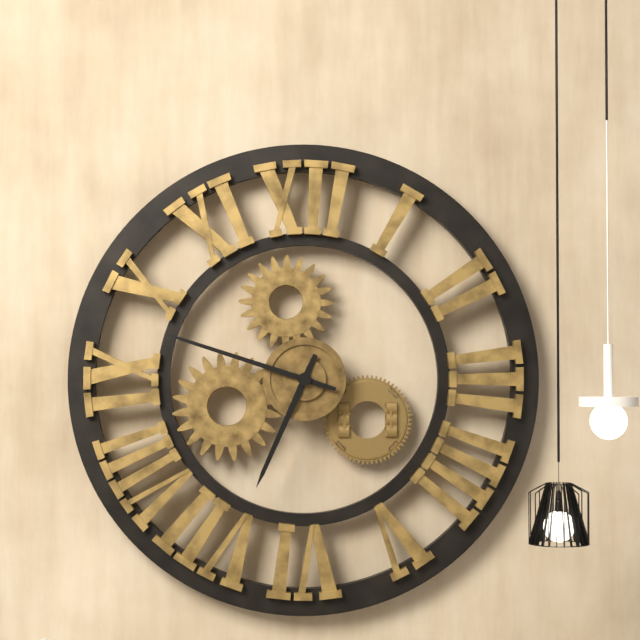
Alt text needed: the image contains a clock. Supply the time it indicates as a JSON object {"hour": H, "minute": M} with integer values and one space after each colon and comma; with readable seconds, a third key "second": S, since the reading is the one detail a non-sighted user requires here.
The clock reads {"hour": 6, "minute": 48}
